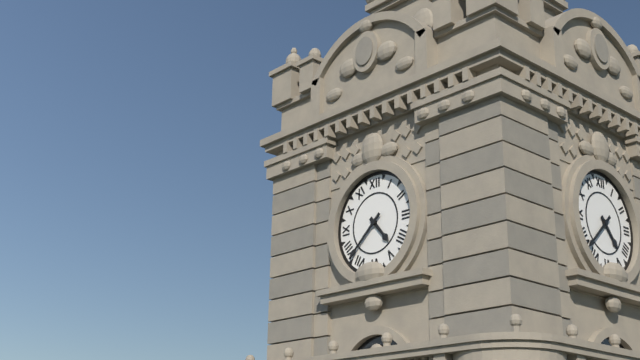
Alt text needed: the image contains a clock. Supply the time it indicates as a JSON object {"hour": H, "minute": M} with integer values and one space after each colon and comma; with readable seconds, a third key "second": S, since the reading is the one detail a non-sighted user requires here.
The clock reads {"hour": 4, "minute": 38}
